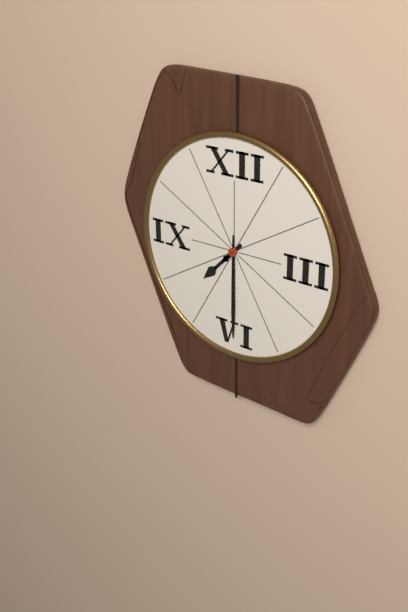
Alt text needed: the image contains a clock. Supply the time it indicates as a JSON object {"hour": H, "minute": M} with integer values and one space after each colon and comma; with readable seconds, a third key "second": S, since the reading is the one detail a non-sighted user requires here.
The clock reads {"hour": 7, "minute": 30}
